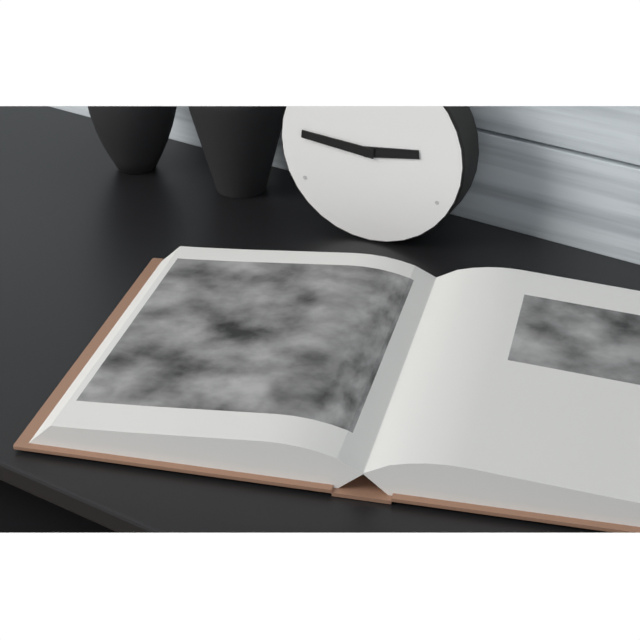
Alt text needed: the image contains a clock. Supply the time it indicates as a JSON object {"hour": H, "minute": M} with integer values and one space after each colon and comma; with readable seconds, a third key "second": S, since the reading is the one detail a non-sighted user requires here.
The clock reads {"hour": 2, "minute": 46}
